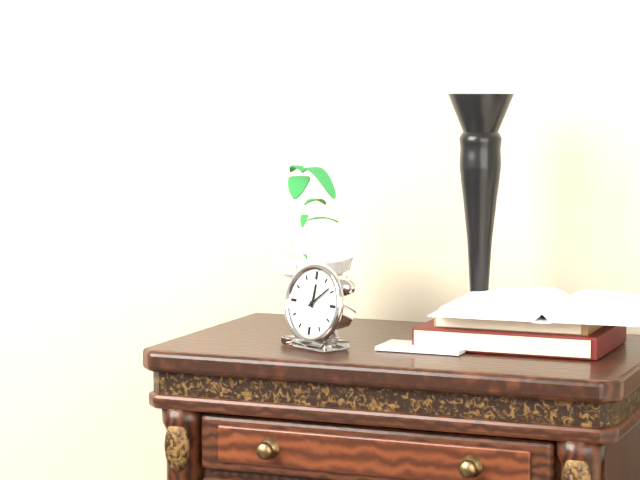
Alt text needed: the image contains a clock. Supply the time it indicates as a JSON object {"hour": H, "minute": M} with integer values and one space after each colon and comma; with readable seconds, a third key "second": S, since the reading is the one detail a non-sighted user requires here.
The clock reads {"hour": 12, "minute": 9}
